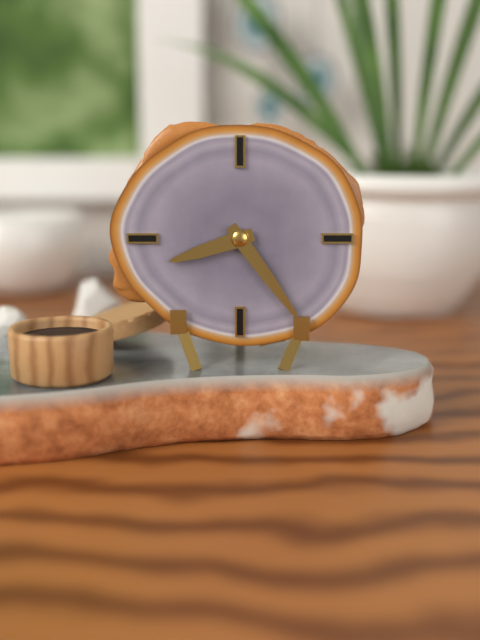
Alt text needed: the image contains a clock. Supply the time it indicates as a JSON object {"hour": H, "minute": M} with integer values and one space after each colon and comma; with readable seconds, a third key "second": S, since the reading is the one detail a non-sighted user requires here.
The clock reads {"hour": 8, "minute": 24}
